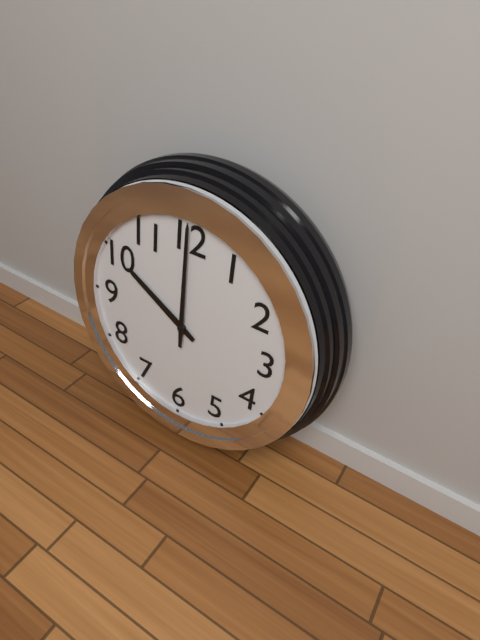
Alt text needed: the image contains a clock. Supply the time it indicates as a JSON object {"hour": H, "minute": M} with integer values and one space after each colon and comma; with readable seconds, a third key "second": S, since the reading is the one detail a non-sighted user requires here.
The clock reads {"hour": 10, "minute": 0}
